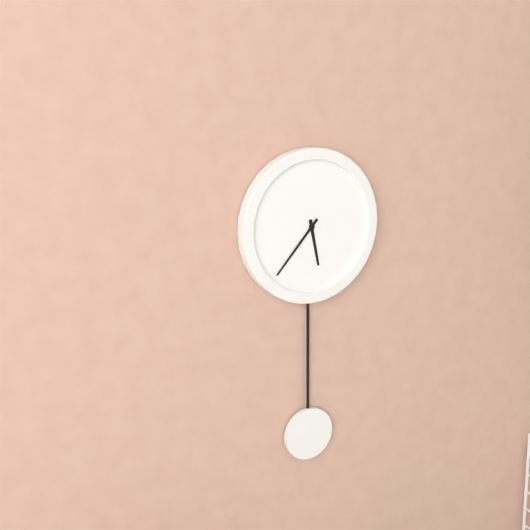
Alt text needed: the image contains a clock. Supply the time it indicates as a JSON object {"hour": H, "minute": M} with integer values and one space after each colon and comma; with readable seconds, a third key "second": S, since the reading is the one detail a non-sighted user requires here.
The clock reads {"hour": 5, "minute": 37}
